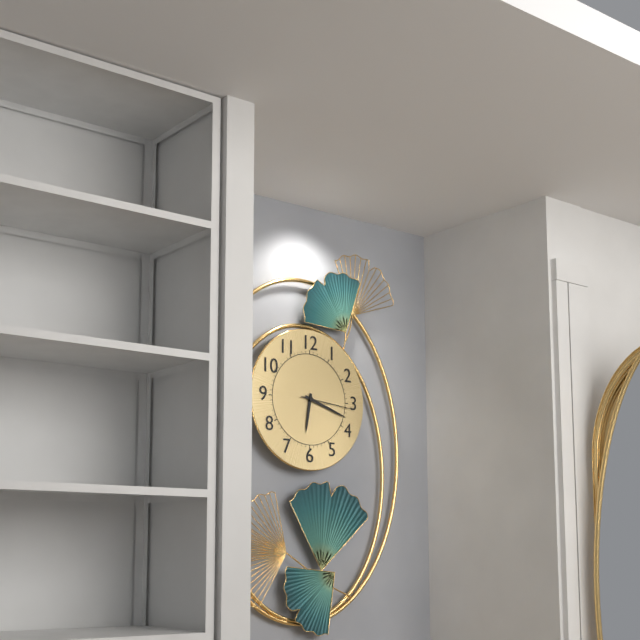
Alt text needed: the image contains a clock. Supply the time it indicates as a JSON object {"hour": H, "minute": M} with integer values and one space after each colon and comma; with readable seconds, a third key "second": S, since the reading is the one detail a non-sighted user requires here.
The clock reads {"hour": 6, "minute": 18, "second": 16}
